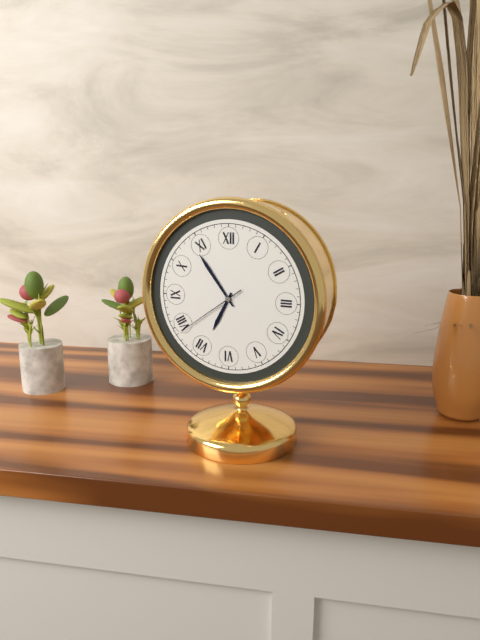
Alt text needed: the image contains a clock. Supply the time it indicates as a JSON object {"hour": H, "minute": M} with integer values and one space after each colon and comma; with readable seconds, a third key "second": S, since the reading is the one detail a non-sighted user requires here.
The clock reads {"hour": 6, "minute": 54, "second": 39}
